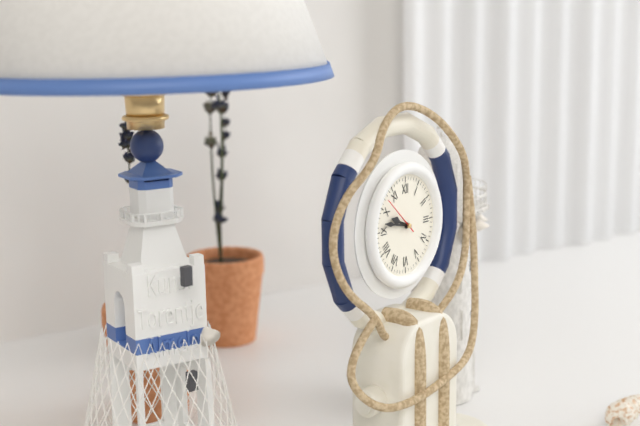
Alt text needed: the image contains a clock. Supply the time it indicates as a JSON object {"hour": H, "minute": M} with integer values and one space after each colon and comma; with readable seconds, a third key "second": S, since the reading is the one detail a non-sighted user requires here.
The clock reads {"hour": 9, "minute": 47}
